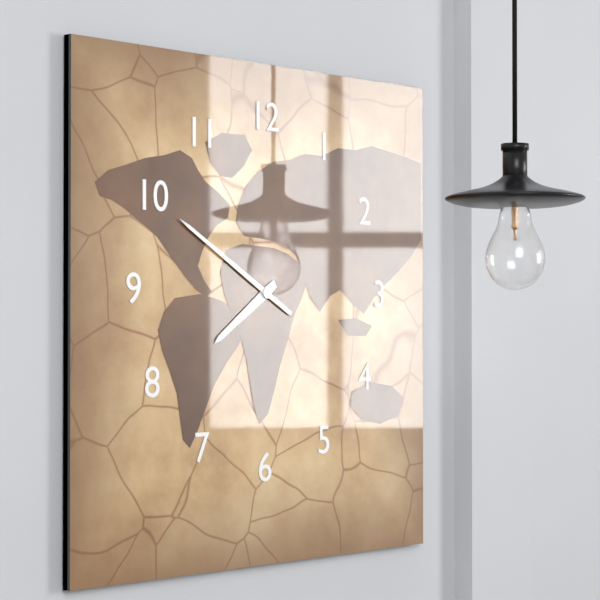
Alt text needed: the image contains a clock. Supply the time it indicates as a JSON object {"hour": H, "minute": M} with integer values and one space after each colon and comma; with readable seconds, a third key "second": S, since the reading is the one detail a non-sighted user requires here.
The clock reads {"hour": 7, "minute": 50}
